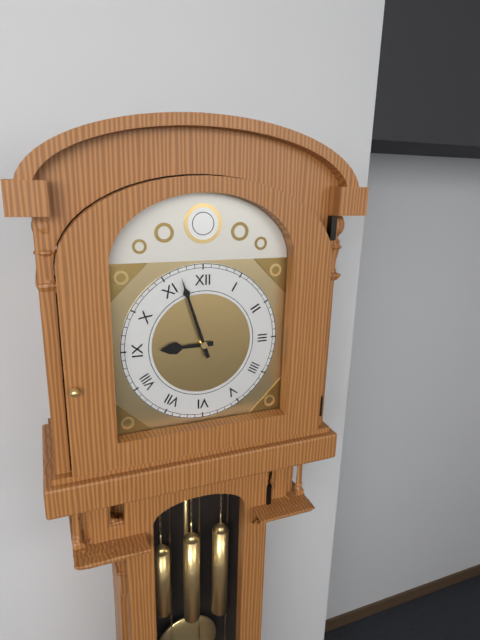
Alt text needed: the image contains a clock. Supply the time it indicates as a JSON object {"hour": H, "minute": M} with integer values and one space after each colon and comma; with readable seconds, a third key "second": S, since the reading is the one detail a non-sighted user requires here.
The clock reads {"hour": 8, "minute": 57}
